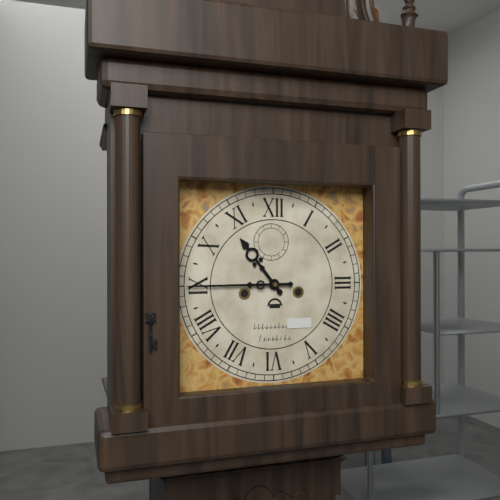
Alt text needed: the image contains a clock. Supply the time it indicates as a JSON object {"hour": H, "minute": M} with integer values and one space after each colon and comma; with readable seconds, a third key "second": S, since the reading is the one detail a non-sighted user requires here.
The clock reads {"hour": 10, "minute": 45}
